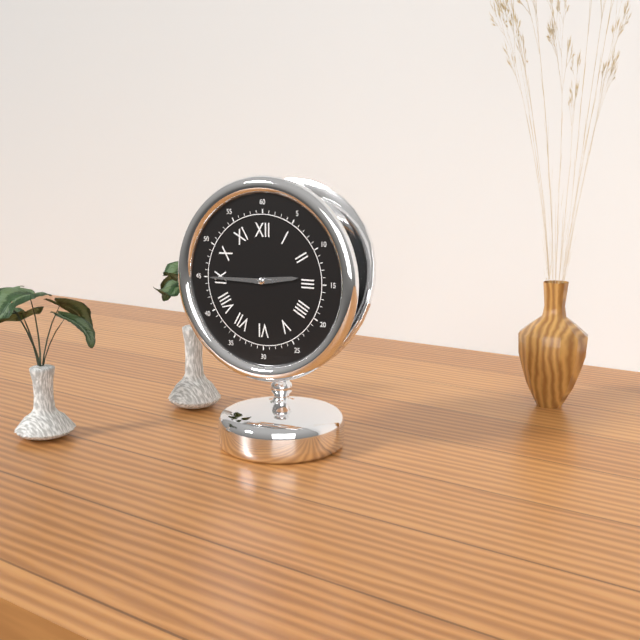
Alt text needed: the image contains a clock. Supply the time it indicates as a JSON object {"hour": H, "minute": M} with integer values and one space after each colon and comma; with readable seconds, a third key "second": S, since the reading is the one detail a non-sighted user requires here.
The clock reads {"hour": 2, "minute": 45}
